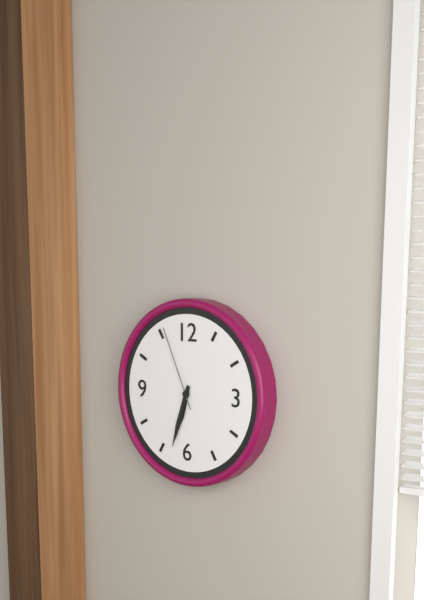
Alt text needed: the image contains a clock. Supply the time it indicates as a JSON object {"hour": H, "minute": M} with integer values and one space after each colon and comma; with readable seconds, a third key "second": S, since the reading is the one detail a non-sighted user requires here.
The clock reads {"hour": 6, "minute": 33, "second": 56}
